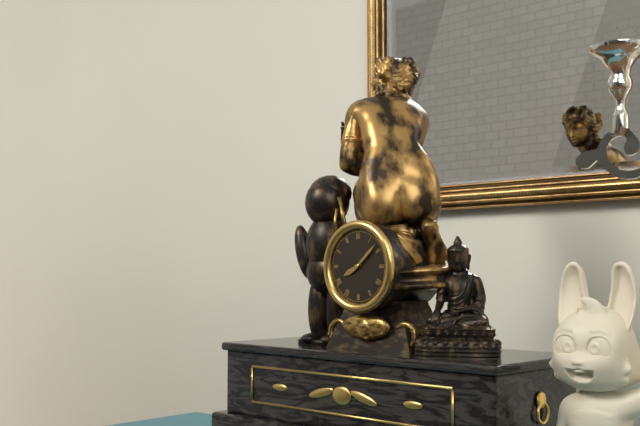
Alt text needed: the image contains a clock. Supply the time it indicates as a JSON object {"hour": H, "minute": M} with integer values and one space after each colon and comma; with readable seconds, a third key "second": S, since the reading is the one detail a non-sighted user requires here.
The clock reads {"hour": 8, "minute": 8}
